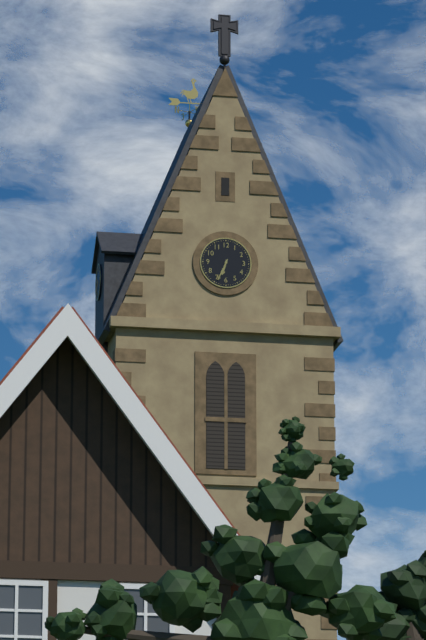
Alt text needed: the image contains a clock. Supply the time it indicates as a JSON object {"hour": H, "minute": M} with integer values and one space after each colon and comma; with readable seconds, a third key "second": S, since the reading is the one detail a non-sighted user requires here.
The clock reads {"hour": 6, "minute": 34}
